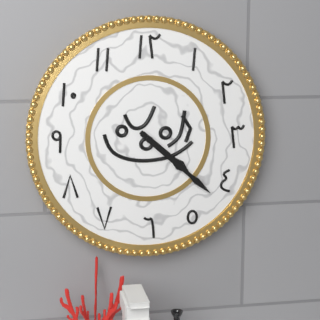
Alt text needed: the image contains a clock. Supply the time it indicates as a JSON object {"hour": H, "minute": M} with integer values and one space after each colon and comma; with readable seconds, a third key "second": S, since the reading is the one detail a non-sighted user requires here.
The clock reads {"hour": 4, "minute": 22}
